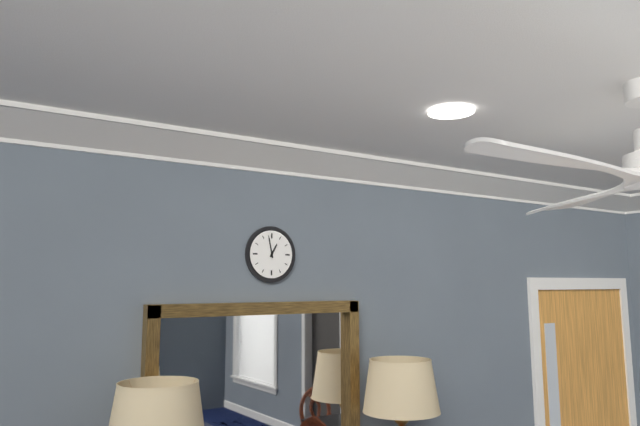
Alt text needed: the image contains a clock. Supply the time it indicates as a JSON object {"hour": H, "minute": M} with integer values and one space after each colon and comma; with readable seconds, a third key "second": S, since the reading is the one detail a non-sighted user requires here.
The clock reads {"hour": 12, "minute": 58}
